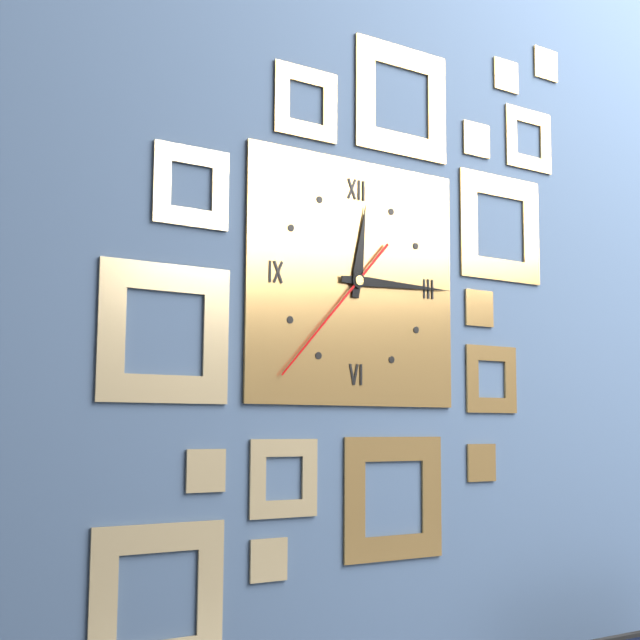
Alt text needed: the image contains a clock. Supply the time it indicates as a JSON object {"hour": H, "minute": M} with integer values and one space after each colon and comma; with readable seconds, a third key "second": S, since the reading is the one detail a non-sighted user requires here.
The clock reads {"hour": 12, "minute": 15, "second": 37}
